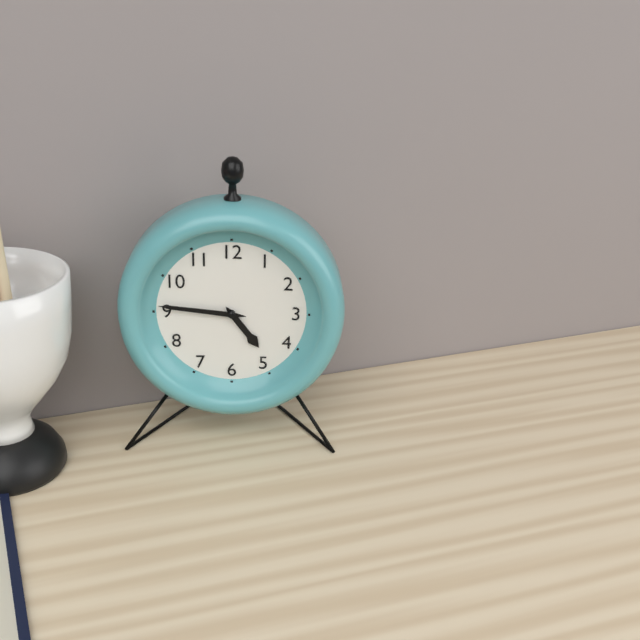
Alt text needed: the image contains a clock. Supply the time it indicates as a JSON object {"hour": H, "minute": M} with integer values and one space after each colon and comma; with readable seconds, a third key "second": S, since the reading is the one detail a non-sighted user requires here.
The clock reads {"hour": 4, "minute": 46}
